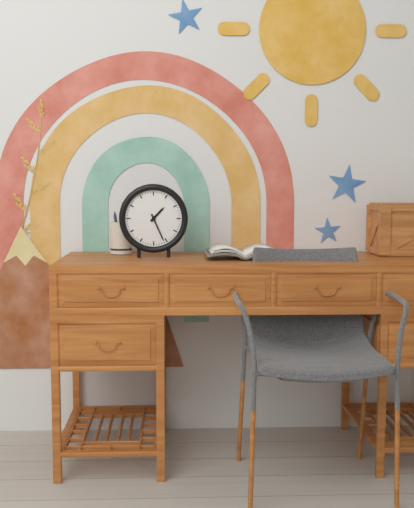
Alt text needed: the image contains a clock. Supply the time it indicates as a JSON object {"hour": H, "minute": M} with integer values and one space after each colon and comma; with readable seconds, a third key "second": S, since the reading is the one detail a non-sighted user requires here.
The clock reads {"hour": 1, "minute": 26}
